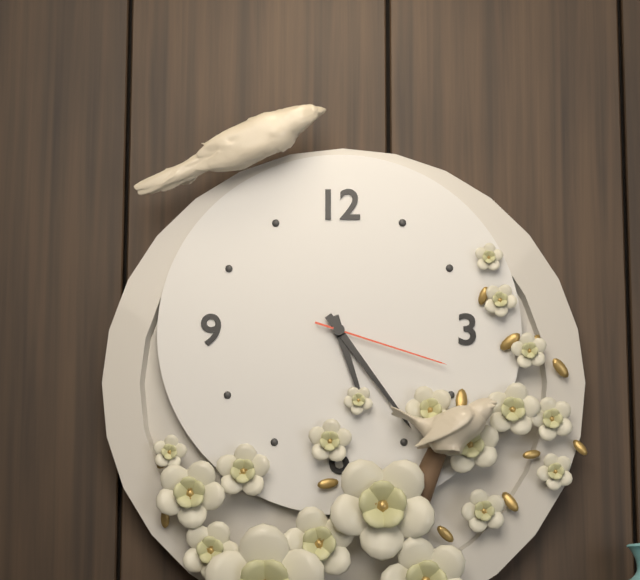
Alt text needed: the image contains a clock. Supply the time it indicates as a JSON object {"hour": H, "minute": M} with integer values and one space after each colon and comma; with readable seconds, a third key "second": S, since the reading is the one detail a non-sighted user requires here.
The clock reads {"hour": 5, "minute": 24, "second": 18}
